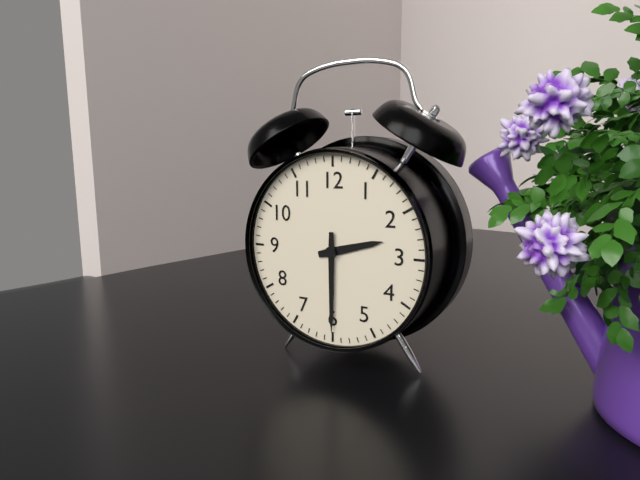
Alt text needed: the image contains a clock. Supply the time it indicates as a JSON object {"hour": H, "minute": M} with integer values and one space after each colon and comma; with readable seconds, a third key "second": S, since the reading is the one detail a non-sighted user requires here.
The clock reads {"hour": 2, "minute": 30}
